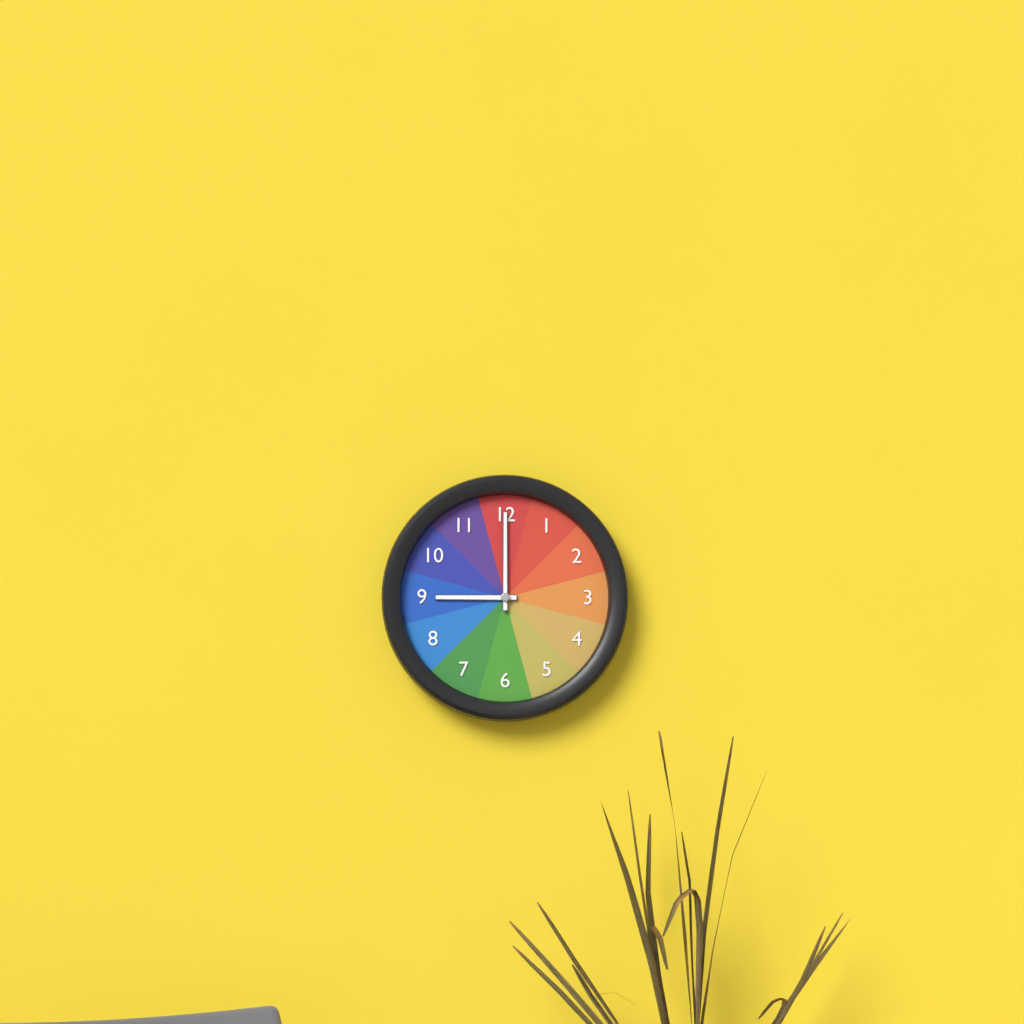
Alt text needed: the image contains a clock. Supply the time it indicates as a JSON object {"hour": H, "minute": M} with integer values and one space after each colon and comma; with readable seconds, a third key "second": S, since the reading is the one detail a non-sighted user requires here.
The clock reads {"hour": 9, "minute": 0}
